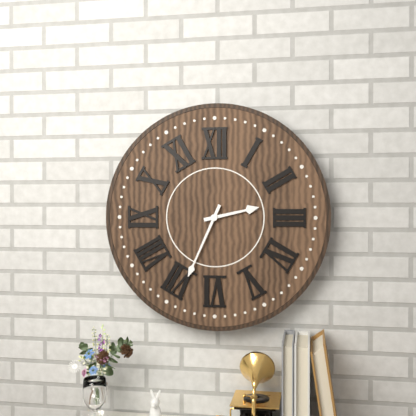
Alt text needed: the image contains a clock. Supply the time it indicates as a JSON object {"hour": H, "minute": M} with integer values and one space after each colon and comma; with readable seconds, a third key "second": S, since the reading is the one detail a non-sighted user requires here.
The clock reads {"hour": 2, "minute": 34}
